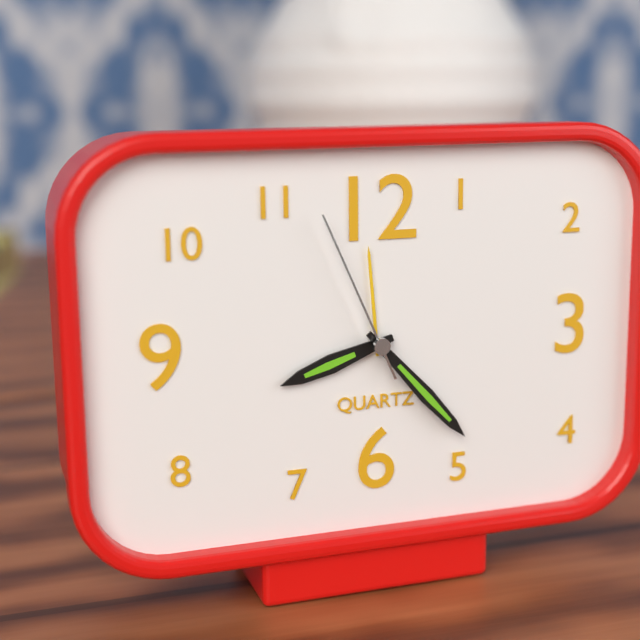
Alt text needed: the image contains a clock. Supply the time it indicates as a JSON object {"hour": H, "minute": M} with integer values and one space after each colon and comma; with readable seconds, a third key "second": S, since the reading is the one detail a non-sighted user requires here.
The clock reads {"hour": 8, "minute": 23, "second": 56}
